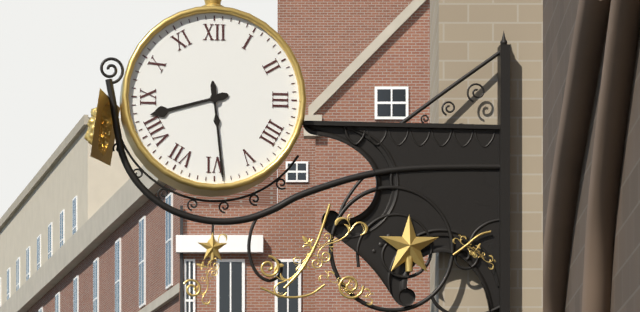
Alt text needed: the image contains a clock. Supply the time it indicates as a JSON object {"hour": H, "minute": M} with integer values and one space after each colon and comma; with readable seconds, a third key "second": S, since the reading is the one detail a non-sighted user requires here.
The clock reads {"hour": 8, "minute": 29}
